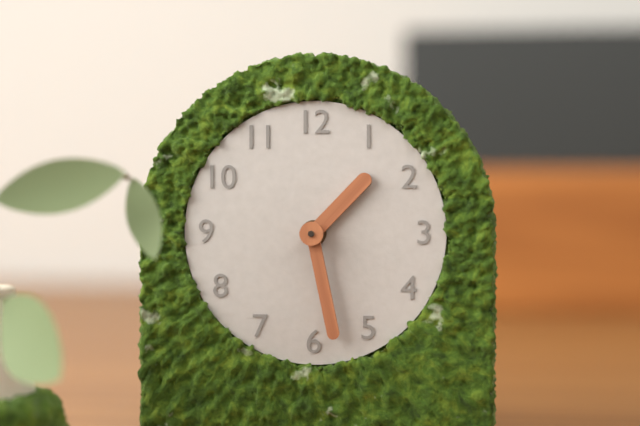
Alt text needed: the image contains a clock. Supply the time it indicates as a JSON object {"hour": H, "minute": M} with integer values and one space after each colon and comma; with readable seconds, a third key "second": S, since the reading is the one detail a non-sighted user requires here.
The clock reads {"hour": 1, "minute": 28}
